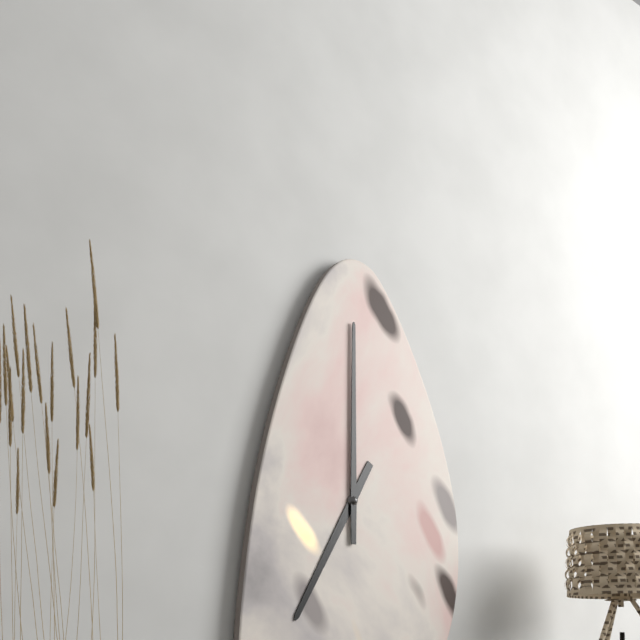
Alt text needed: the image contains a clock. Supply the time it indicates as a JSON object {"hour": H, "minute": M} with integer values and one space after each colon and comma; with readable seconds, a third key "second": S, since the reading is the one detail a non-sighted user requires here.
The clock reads {"hour": 7, "minute": 0}
